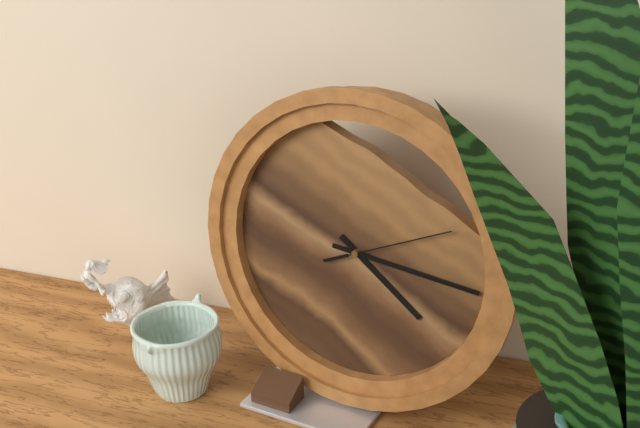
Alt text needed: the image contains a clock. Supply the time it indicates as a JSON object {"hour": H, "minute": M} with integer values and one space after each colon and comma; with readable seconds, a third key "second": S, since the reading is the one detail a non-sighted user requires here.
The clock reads {"hour": 4, "minute": 16, "second": 11}
